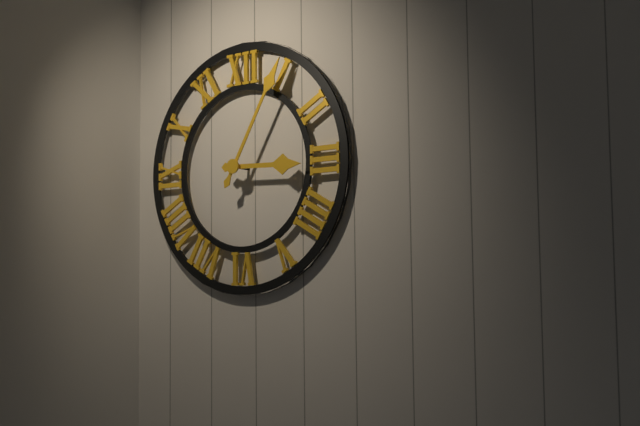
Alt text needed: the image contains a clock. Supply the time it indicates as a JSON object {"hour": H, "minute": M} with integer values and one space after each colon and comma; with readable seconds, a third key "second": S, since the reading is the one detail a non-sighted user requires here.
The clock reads {"hour": 3, "minute": 5}
